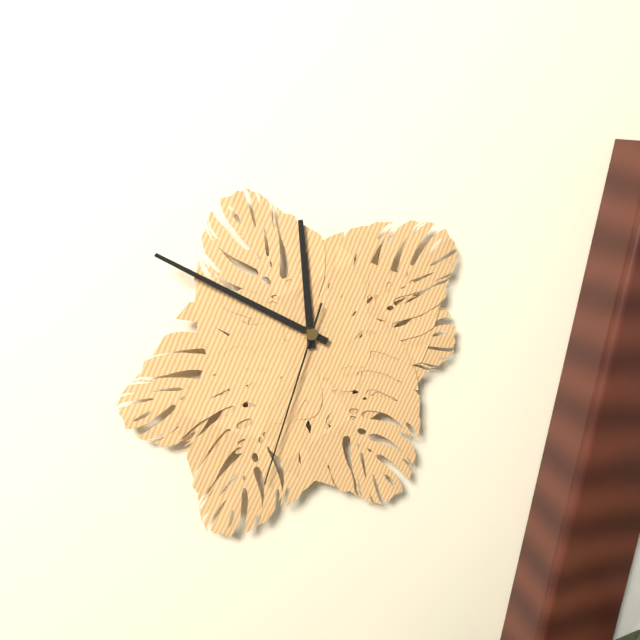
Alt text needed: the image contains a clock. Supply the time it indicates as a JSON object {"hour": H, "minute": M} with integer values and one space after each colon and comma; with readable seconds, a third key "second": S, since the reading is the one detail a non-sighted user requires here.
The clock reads {"hour": 11, "minute": 50, "second": 33}
